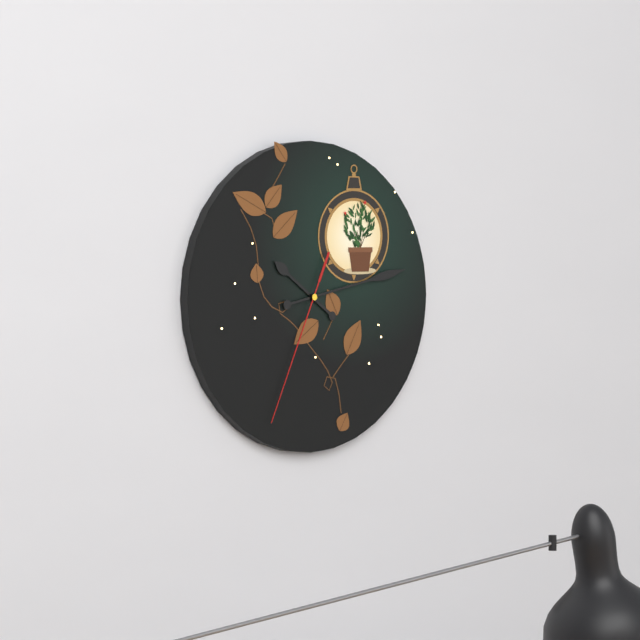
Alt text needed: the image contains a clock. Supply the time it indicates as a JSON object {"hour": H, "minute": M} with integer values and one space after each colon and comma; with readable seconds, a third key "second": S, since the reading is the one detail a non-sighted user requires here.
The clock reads {"hour": 10, "minute": 13, "second": 34}
